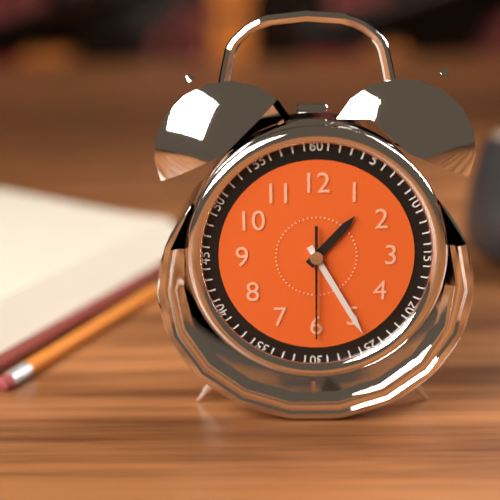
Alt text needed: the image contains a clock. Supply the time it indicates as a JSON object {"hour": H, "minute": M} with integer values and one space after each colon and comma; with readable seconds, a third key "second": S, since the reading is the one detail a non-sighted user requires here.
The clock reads {"hour": 1, "minute": 25, "second": 30}
